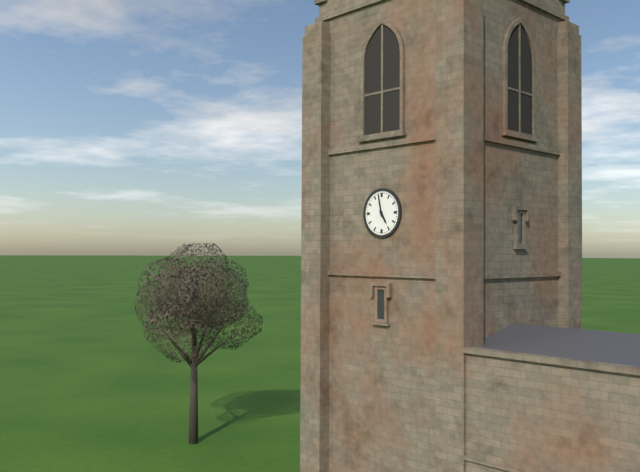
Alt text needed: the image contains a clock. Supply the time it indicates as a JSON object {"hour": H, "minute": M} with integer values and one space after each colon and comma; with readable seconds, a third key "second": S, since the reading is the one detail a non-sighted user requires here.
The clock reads {"hour": 4, "minute": 58}
